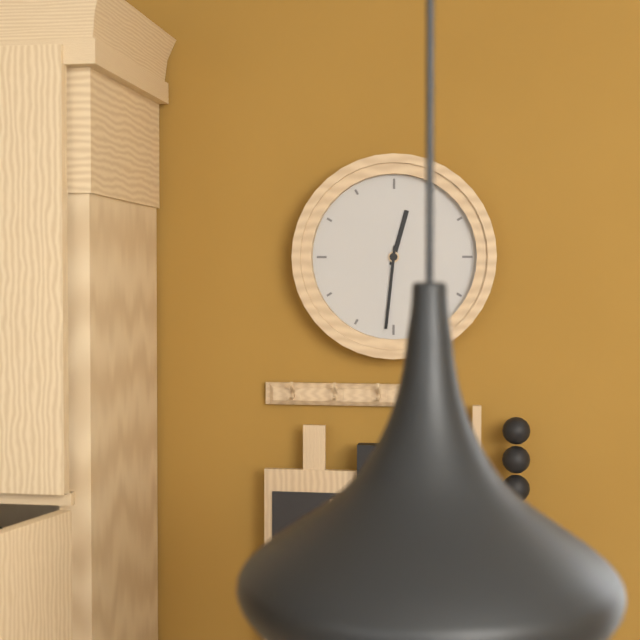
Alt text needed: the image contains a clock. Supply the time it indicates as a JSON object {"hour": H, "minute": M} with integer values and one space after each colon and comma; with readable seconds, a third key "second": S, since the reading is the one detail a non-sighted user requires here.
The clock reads {"hour": 12, "minute": 31}
